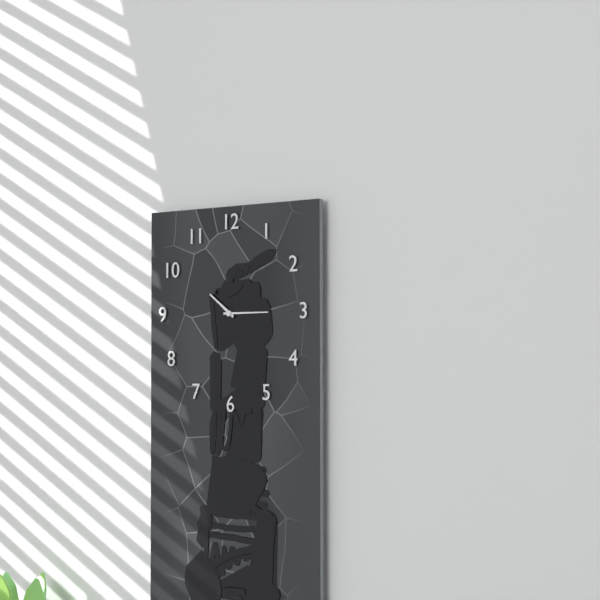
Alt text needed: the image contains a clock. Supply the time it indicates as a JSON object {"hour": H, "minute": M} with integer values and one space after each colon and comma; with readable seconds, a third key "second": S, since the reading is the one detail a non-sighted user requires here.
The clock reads {"hour": 10, "minute": 15}
